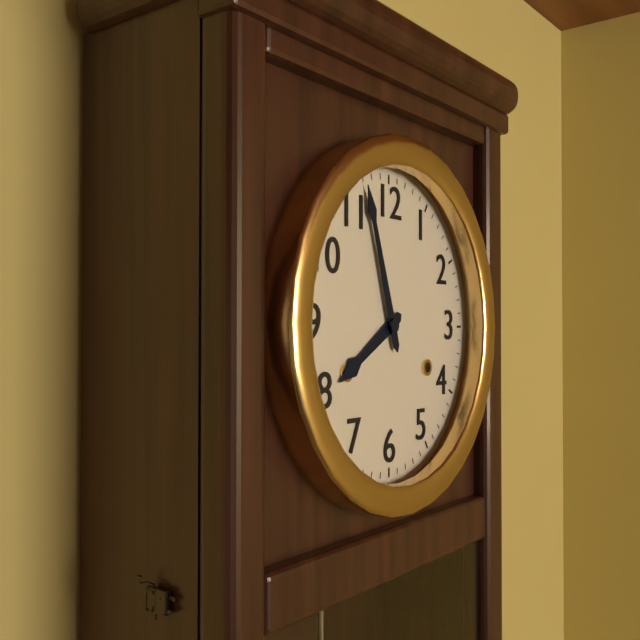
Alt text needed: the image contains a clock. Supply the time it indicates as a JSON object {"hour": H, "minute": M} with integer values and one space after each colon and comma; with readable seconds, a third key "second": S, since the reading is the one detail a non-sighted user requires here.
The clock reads {"hour": 7, "minute": 57}
